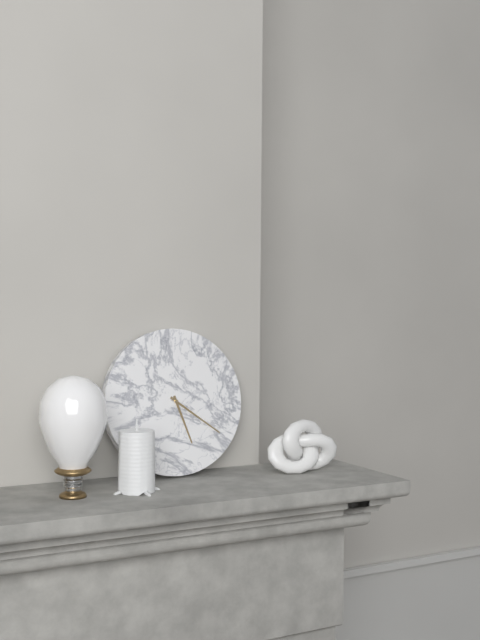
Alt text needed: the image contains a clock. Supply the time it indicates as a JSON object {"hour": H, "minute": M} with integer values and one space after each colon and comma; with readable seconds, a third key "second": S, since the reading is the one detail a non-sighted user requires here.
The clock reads {"hour": 5, "minute": 21}
